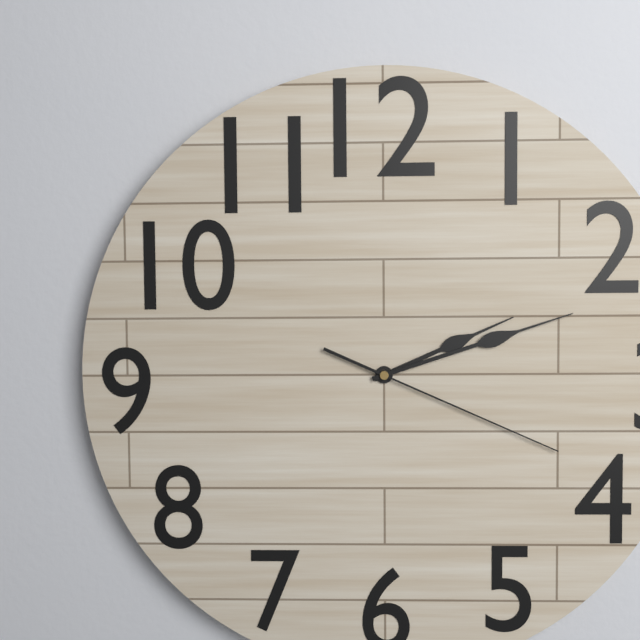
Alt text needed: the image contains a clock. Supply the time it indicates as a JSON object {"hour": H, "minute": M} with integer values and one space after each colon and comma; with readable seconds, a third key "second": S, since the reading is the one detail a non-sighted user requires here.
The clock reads {"hour": 2, "minute": 12, "second": 19}
